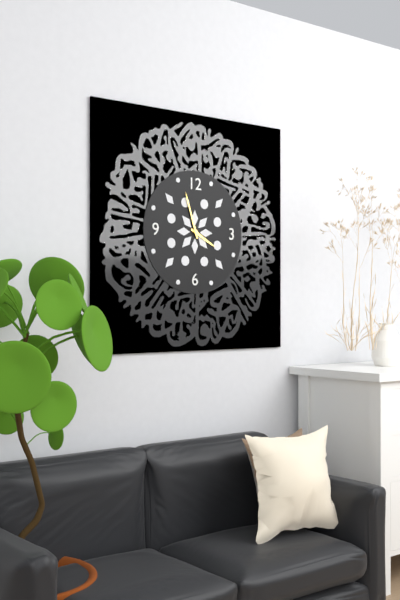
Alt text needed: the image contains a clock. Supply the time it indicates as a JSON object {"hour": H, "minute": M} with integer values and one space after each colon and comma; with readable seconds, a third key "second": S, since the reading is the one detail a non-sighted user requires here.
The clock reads {"hour": 3, "minute": 57}
